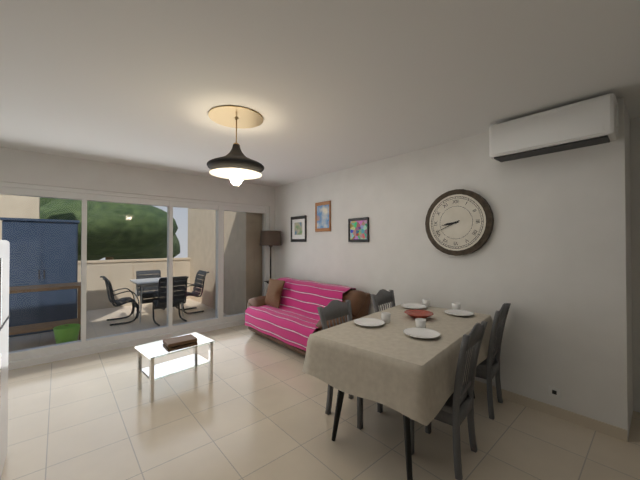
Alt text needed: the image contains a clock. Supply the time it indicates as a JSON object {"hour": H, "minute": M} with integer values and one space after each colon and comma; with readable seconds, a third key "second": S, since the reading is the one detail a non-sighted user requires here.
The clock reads {"hour": 8, "minute": 41}
